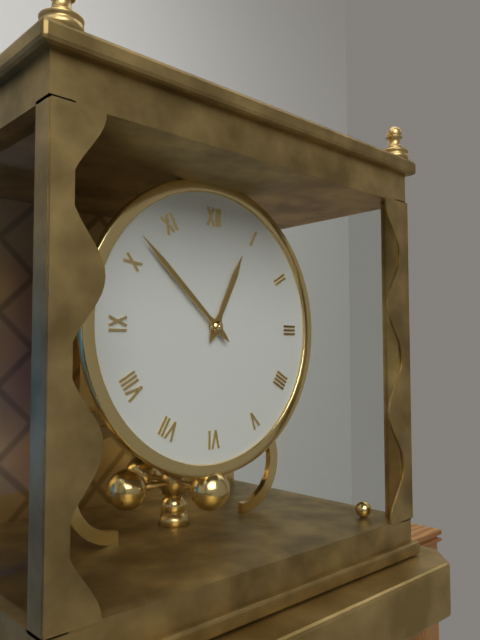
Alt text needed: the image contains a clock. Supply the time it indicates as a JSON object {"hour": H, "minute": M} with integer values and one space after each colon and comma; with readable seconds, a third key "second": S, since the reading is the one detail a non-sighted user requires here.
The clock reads {"hour": 12, "minute": 52}
